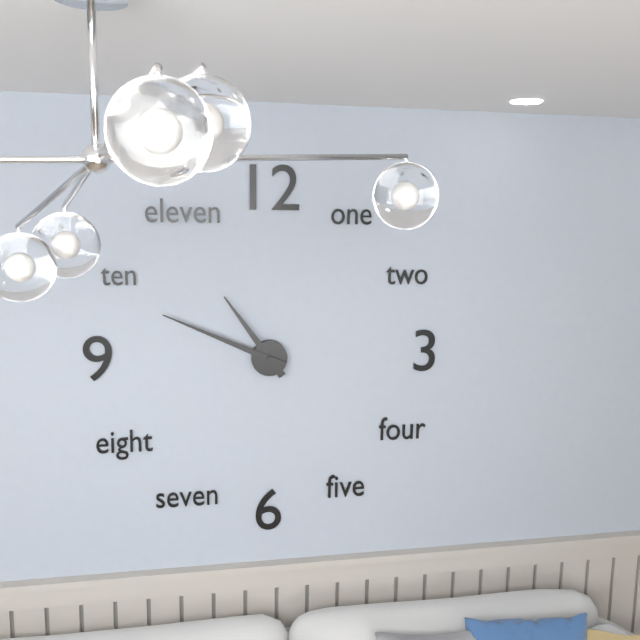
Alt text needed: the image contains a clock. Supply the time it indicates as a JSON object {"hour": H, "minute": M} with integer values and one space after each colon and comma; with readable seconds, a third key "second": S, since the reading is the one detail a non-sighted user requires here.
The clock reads {"hour": 10, "minute": 49}
